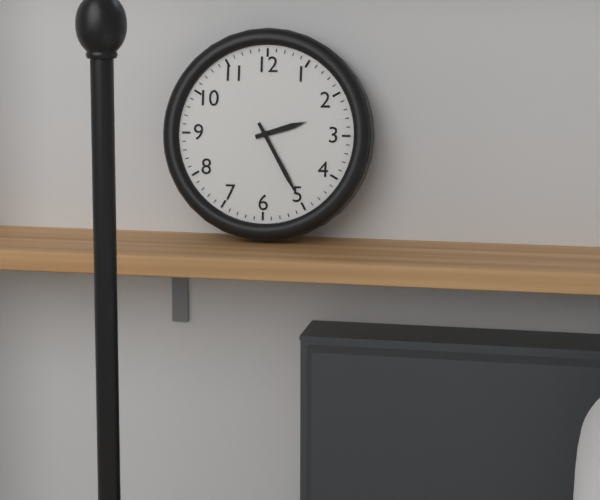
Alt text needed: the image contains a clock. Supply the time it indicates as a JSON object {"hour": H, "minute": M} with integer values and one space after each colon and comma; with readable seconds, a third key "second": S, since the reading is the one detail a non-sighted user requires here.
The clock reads {"hour": 2, "minute": 25}
